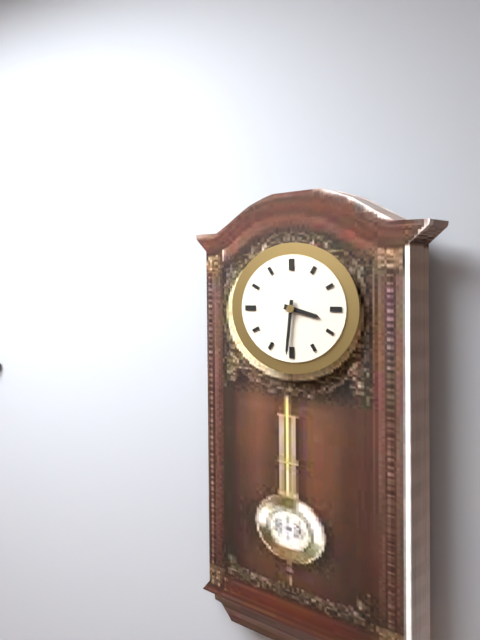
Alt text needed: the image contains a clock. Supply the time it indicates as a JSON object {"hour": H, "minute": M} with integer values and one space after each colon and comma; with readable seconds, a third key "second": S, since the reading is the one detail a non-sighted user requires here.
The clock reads {"hour": 3, "minute": 31}
